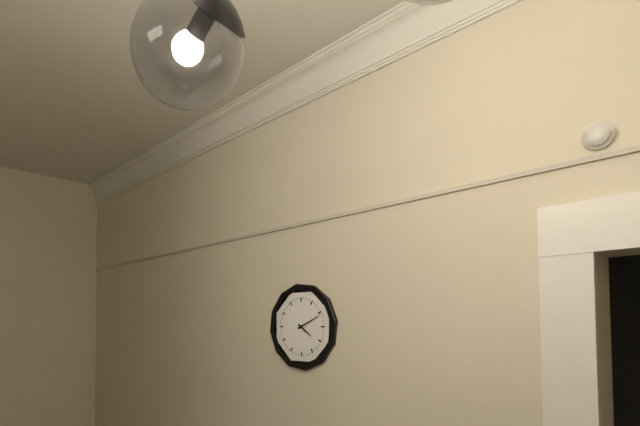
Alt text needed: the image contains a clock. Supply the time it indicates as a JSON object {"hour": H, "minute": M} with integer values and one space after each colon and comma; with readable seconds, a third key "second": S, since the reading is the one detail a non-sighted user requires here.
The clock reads {"hour": 4, "minute": 11}
